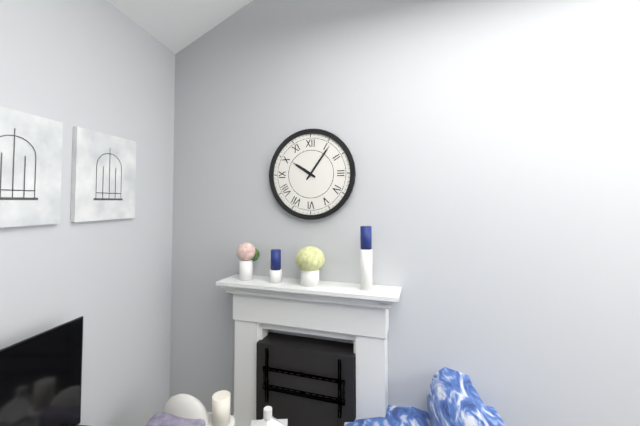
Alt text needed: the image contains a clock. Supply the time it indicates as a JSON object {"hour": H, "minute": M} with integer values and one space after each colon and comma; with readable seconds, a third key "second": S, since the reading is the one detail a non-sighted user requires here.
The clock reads {"hour": 10, "minute": 6}
